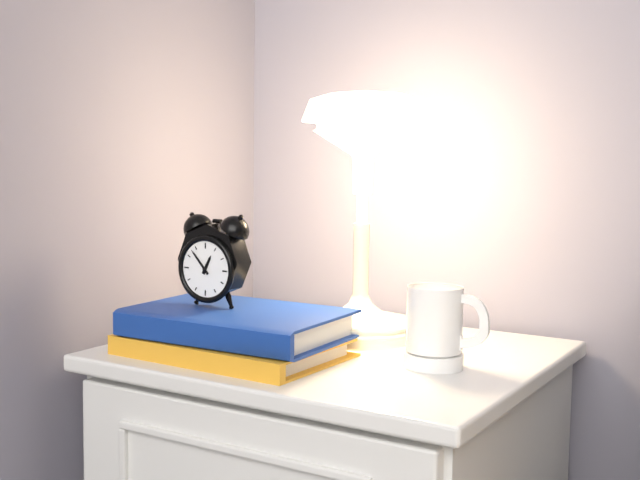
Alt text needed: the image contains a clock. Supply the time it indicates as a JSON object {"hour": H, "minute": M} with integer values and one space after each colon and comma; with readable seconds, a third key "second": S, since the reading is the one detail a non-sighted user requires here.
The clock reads {"hour": 12, "minute": 53}
